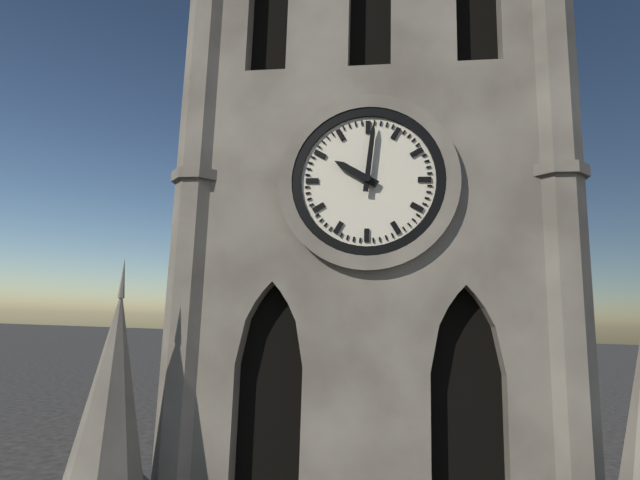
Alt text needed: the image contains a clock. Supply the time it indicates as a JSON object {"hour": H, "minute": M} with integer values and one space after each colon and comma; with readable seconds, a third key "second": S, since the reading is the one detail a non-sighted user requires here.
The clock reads {"hour": 10, "minute": 1}
